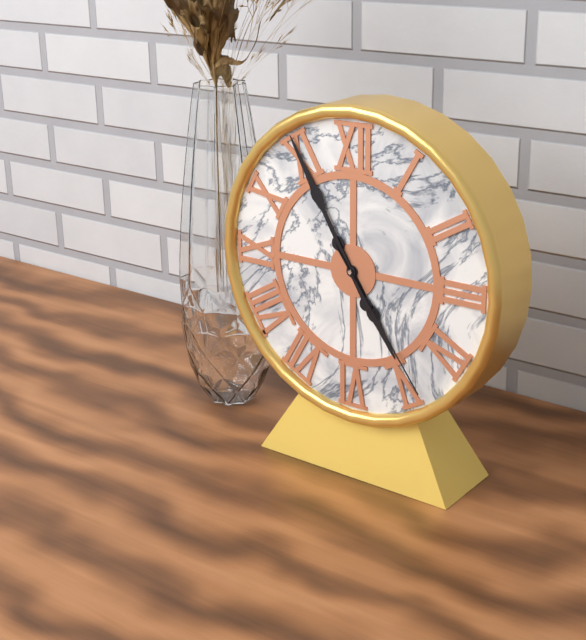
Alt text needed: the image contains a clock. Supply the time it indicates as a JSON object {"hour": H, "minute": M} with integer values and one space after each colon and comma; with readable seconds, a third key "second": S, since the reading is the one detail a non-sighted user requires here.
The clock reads {"hour": 4, "minute": 55, "second": 24}
